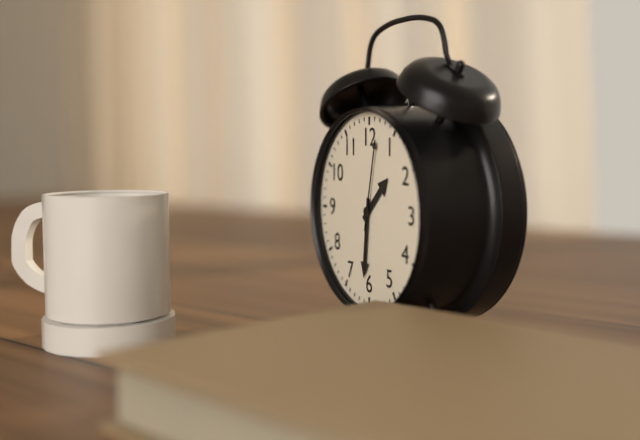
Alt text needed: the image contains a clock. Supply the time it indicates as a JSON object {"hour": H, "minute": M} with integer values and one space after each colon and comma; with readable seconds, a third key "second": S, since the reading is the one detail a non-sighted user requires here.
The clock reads {"hour": 1, "minute": 31, "second": 2}
